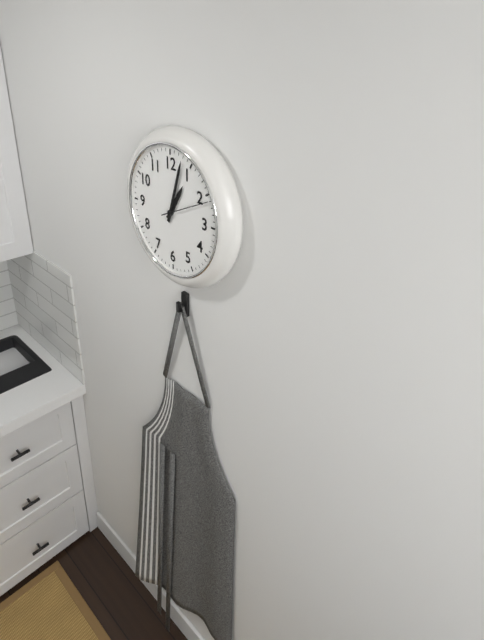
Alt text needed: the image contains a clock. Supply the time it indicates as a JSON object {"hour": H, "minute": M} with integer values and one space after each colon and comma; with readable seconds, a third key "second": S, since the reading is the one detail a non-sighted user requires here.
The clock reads {"hour": 1, "minute": 3}
